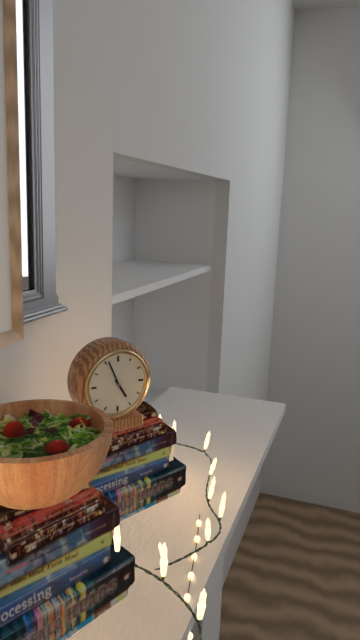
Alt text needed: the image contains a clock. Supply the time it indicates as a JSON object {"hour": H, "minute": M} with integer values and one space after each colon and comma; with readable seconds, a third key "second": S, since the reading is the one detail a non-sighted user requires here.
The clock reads {"hour": 4, "minute": 56}
